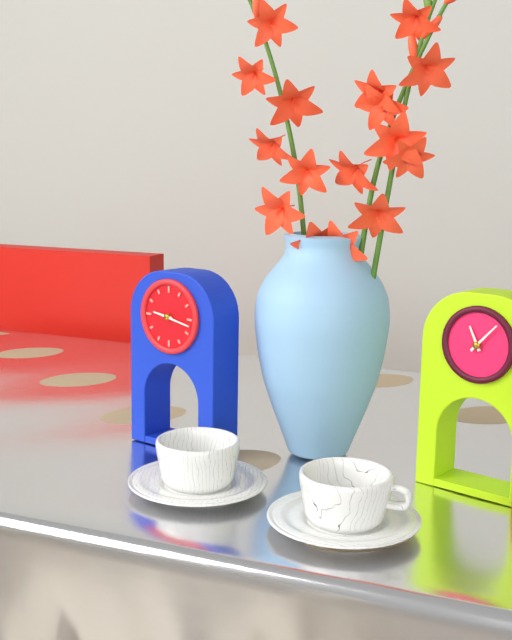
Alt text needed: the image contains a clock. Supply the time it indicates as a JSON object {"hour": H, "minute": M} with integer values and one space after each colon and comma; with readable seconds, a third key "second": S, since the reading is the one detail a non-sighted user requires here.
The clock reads {"hour": 9, "minute": 17}
